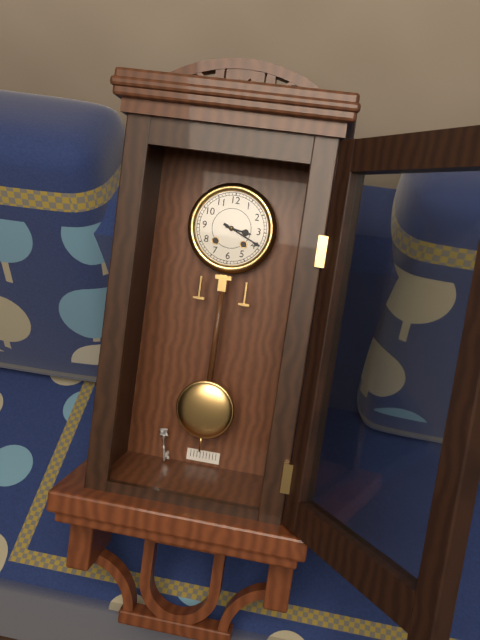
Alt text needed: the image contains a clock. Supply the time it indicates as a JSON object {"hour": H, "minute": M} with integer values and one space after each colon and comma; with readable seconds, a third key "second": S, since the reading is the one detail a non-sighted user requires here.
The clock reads {"hour": 3, "minute": 19}
